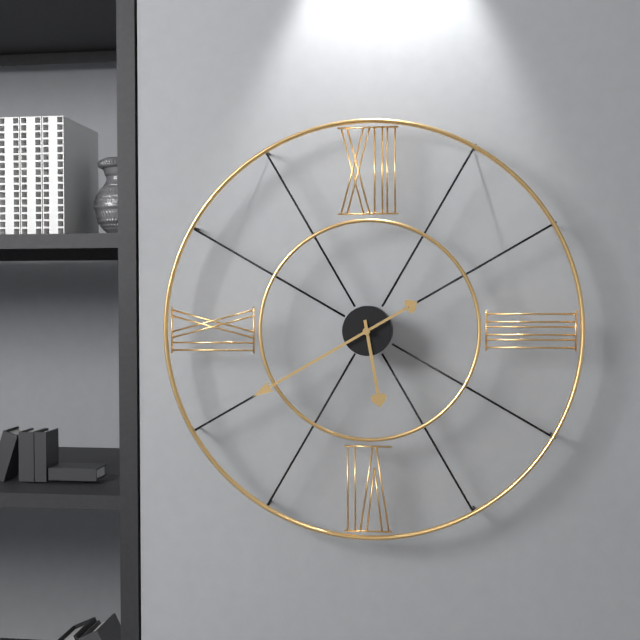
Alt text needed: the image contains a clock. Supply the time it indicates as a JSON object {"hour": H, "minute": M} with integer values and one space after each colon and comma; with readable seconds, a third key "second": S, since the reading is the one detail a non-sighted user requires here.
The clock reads {"hour": 5, "minute": 40}
